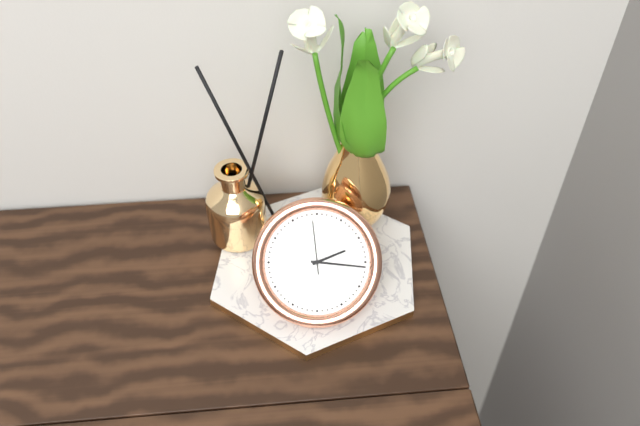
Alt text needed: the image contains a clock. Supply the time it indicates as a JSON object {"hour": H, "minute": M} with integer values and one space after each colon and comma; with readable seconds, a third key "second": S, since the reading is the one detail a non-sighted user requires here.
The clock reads {"hour": 2, "minute": 16, "second": 59}
